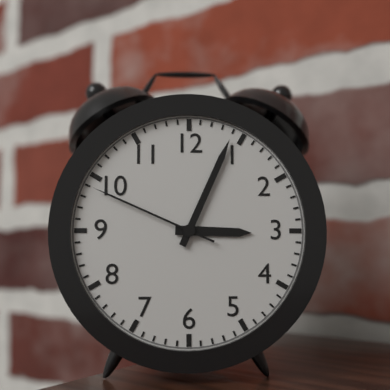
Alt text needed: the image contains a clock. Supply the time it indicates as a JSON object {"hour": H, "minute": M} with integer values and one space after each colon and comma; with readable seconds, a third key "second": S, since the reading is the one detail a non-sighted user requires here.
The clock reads {"hour": 3, "minute": 4, "second": 49}
